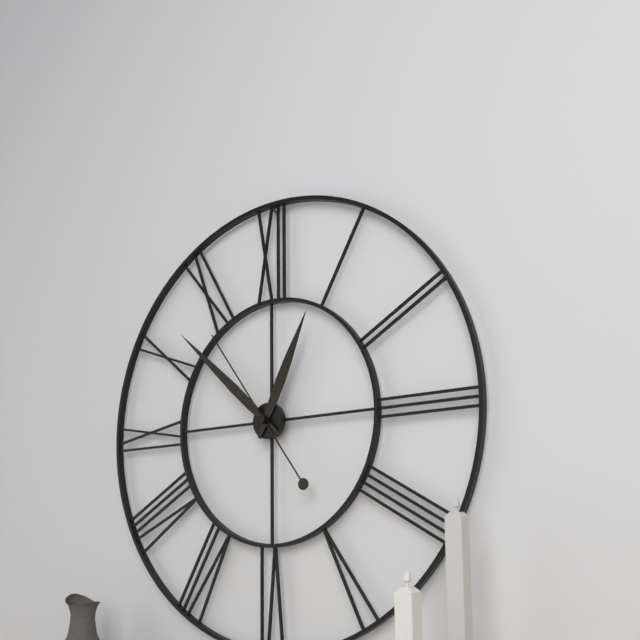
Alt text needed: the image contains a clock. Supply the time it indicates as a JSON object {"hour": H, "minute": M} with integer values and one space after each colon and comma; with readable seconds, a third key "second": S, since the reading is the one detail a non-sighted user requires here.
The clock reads {"hour": 12, "minute": 52, "second": 54}
